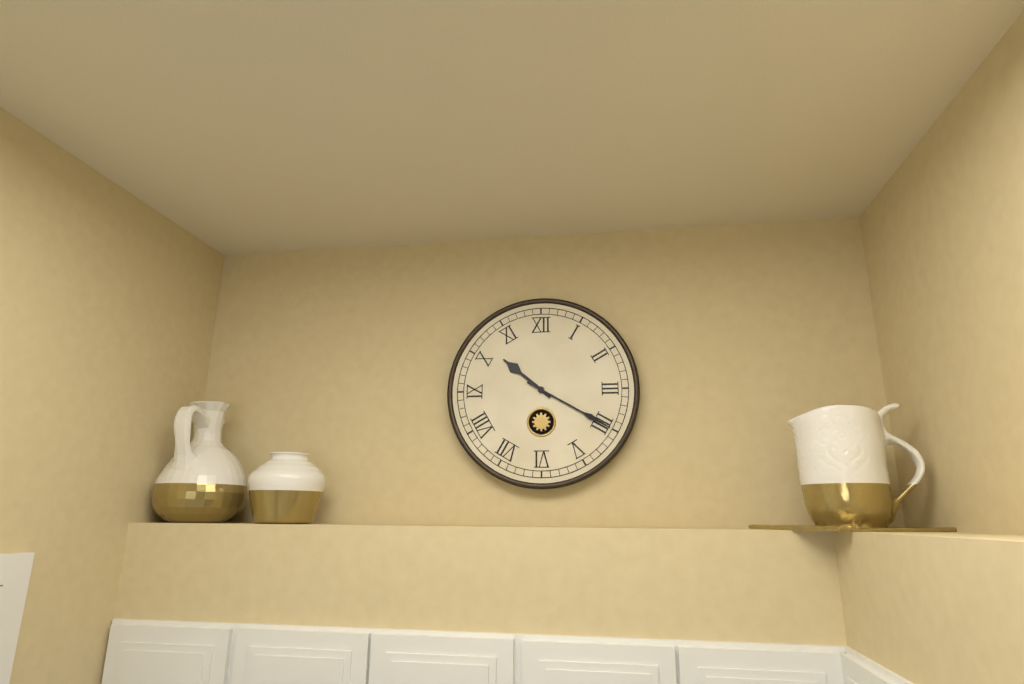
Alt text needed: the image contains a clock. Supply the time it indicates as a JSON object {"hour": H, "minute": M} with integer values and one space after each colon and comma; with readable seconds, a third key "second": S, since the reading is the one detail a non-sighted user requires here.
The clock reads {"hour": 10, "minute": 20}
